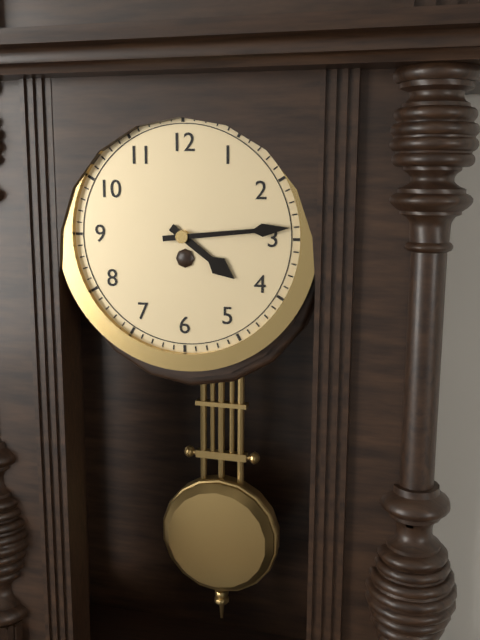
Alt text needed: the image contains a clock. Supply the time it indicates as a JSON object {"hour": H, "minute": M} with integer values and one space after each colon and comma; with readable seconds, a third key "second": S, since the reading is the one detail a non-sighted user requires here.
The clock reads {"hour": 4, "minute": 14}
